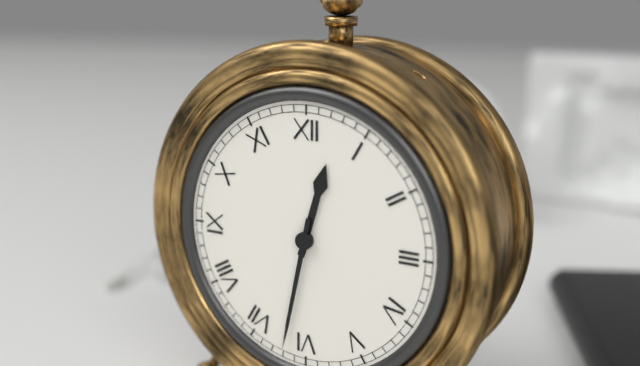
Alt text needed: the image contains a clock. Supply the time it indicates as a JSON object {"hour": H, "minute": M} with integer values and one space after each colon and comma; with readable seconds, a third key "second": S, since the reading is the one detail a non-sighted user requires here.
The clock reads {"hour": 12, "minute": 32}
